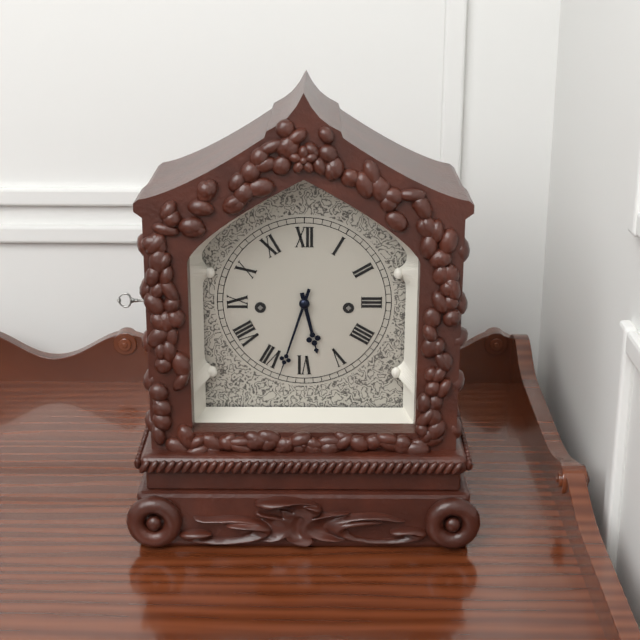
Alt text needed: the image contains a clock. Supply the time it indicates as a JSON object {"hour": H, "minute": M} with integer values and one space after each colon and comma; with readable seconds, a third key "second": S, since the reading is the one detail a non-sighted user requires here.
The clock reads {"hour": 5, "minute": 33}
